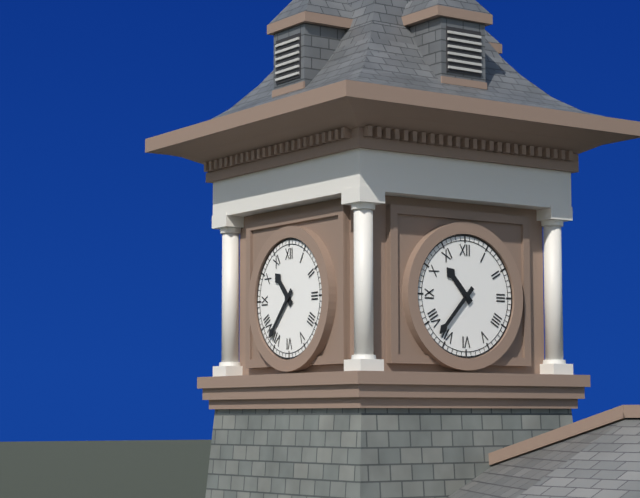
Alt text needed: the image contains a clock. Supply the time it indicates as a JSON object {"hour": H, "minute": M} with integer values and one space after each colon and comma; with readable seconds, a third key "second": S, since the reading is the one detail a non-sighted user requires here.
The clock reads {"hour": 10, "minute": 37}
